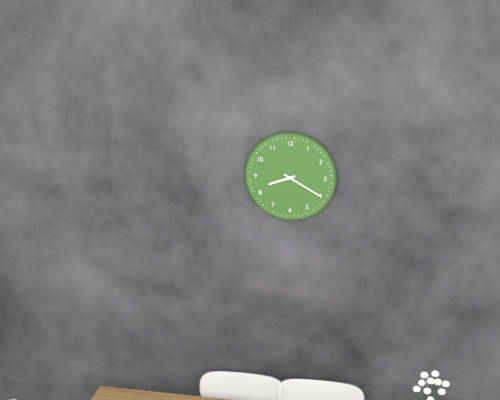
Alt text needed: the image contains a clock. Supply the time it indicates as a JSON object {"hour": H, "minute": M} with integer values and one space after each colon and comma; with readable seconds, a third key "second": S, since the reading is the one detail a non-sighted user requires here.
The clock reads {"hour": 8, "minute": 20}
